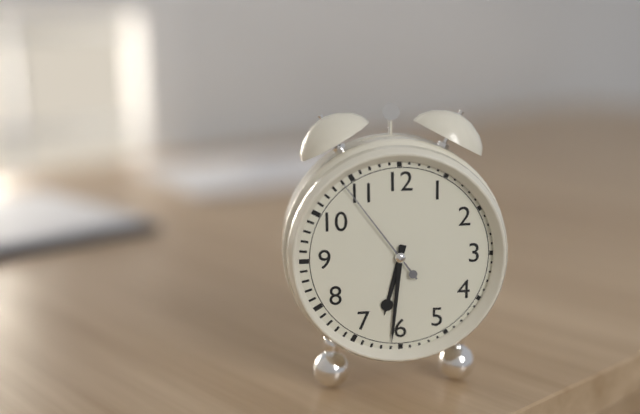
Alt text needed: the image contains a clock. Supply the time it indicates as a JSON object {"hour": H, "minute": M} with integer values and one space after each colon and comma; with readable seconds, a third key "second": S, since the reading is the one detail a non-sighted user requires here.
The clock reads {"hour": 6, "minute": 31, "second": 54}
